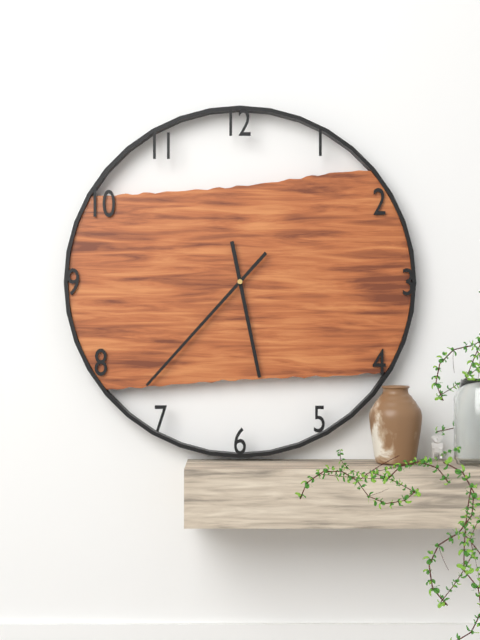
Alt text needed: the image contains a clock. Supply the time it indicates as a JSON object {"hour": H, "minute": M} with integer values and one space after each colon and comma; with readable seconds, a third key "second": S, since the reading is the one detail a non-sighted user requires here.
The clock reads {"hour": 5, "minute": 37}
